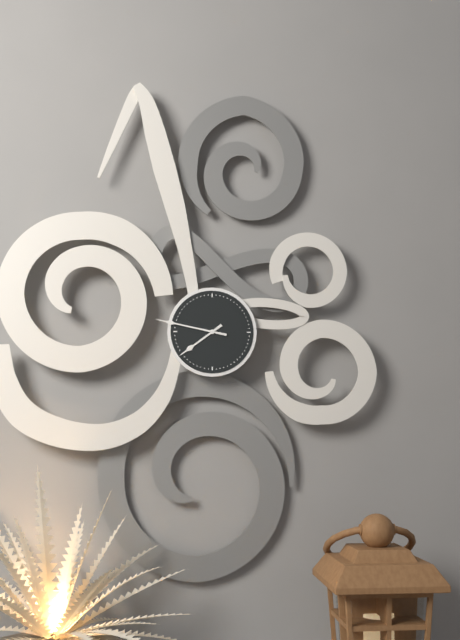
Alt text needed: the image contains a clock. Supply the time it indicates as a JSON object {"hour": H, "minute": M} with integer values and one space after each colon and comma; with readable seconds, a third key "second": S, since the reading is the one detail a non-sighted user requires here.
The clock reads {"hour": 7, "minute": 47}
